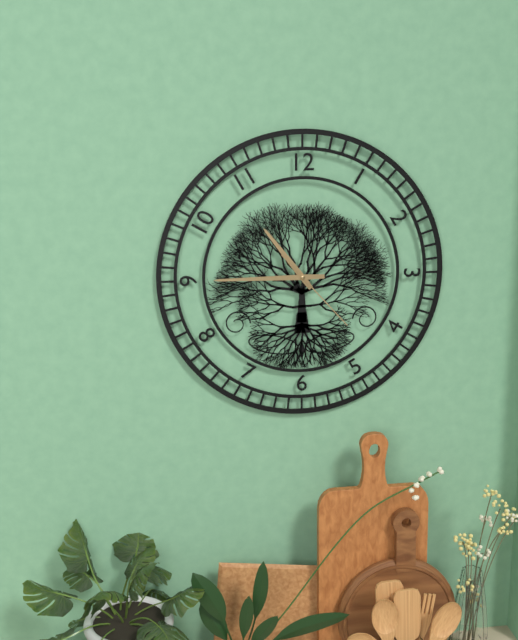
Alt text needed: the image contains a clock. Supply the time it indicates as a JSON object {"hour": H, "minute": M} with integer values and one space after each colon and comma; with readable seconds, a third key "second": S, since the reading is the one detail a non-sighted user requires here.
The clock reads {"hour": 10, "minute": 45, "second": 23}
